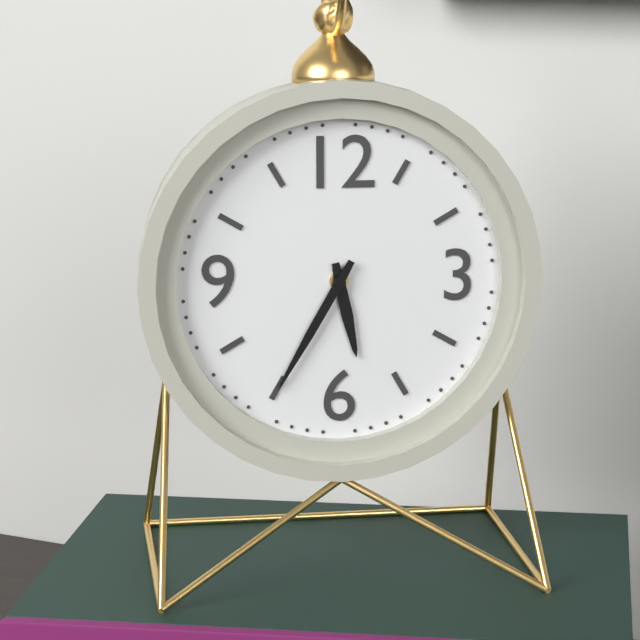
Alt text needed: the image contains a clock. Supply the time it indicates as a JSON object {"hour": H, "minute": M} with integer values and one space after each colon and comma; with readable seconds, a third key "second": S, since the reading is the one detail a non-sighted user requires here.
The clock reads {"hour": 5, "minute": 35}
